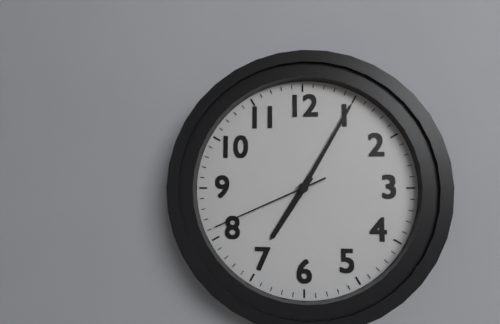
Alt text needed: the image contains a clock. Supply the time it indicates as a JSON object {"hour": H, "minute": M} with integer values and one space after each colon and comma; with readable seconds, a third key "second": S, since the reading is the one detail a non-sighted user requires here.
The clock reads {"hour": 7, "minute": 5, "second": 41}
